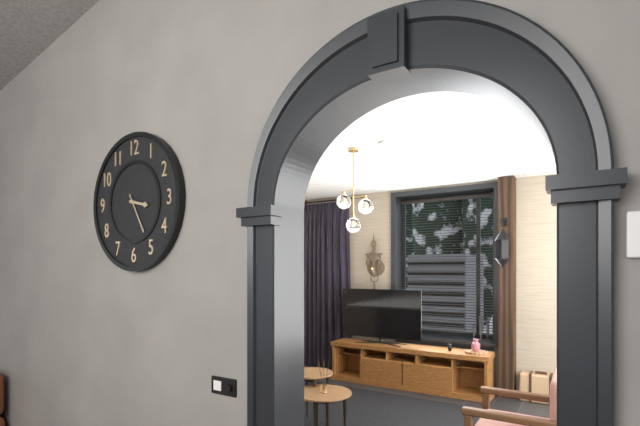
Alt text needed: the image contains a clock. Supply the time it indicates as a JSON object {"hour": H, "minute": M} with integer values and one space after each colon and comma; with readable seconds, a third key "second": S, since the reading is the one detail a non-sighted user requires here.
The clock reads {"hour": 3, "minute": 25}
